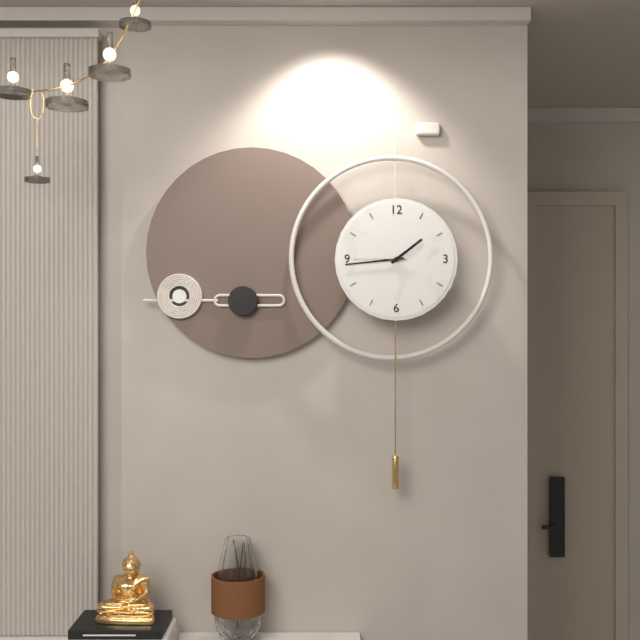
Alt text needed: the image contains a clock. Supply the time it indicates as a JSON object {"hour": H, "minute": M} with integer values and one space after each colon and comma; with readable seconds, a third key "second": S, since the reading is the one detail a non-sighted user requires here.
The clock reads {"hour": 1, "minute": 44, "second": 45}
